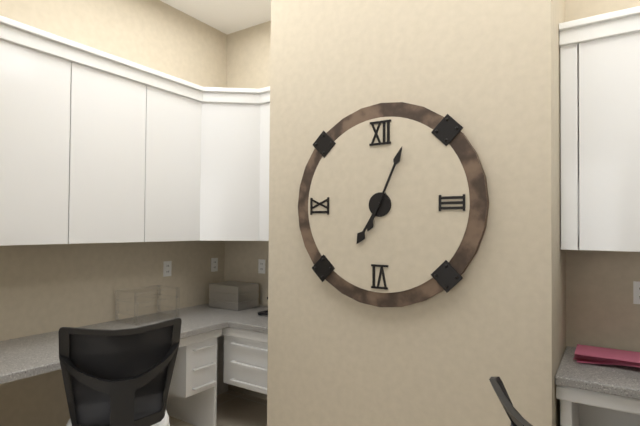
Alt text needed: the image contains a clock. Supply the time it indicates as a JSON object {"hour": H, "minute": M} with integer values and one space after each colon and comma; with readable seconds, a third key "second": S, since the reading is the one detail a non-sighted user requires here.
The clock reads {"hour": 7, "minute": 4}
